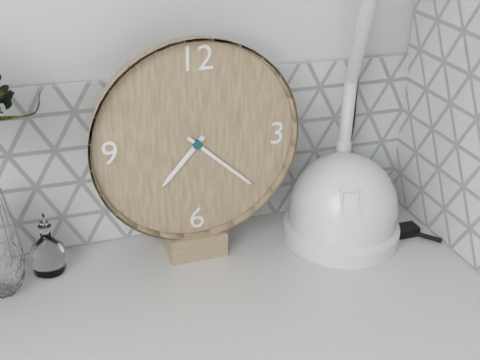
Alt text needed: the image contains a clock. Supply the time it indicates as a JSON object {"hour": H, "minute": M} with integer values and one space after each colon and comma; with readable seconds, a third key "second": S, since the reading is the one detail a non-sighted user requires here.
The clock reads {"hour": 7, "minute": 22}
